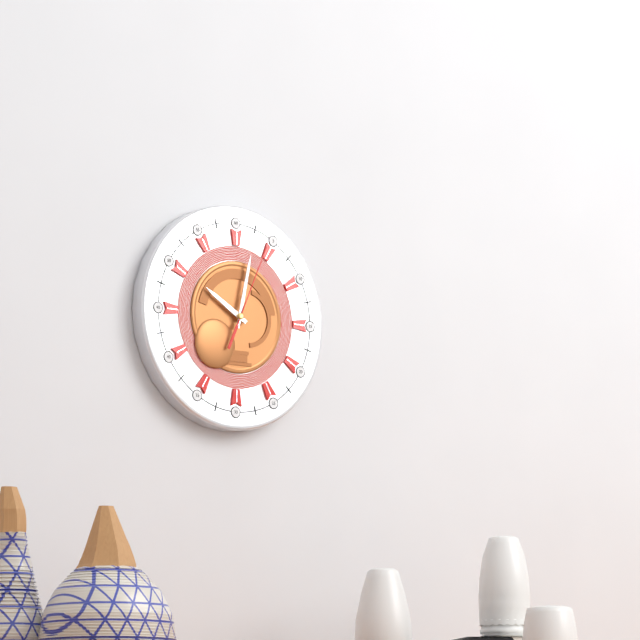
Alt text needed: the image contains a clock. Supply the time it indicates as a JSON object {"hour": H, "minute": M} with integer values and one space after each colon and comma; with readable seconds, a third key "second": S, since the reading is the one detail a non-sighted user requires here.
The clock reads {"hour": 10, "minute": 2, "second": 4}
